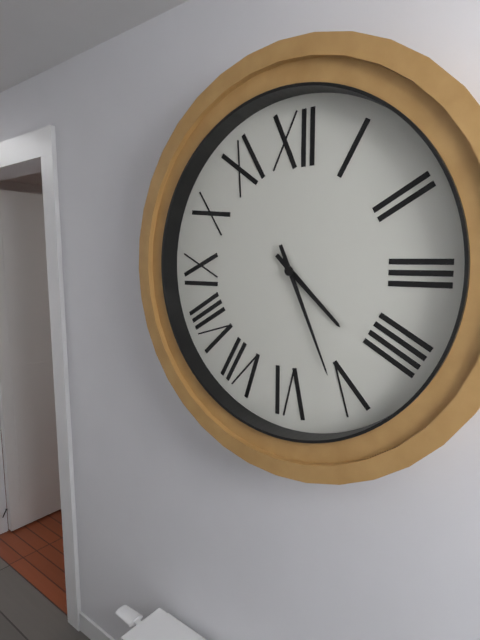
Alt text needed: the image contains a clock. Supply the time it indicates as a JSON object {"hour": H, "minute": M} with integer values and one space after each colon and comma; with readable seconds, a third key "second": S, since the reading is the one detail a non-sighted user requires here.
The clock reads {"hour": 4, "minute": 26}
